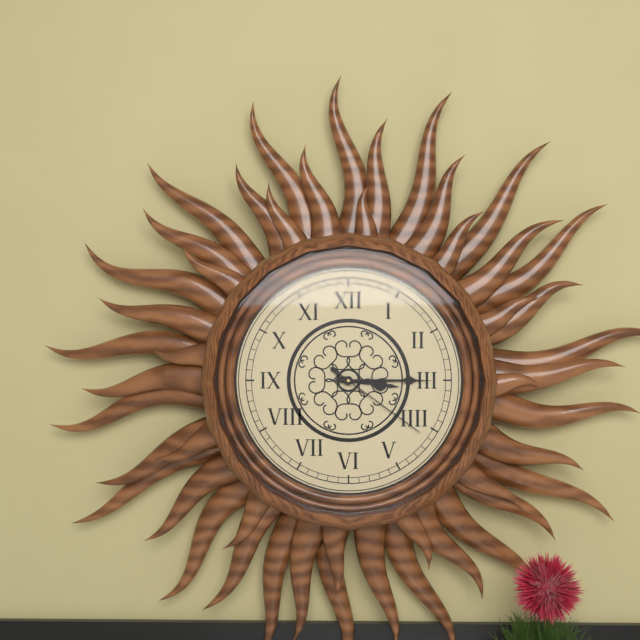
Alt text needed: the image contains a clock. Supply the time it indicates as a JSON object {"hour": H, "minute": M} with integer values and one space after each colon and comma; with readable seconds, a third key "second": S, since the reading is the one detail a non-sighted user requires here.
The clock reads {"hour": 3, "minute": 15, "second": 21}
